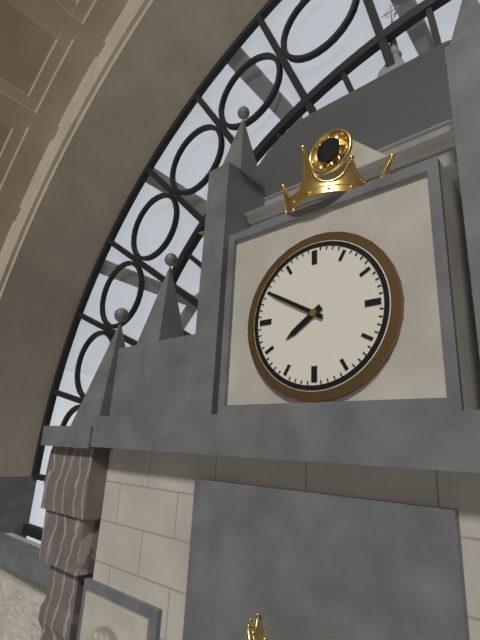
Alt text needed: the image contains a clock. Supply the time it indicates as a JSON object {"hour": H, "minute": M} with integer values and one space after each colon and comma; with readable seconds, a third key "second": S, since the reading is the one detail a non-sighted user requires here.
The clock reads {"hour": 7, "minute": 50}
